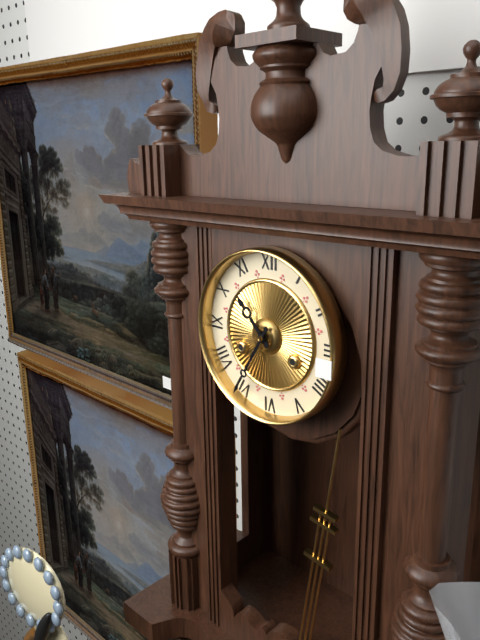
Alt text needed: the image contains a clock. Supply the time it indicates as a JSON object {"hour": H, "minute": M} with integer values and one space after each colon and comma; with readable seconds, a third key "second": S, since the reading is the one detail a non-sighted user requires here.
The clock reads {"hour": 10, "minute": 35}
